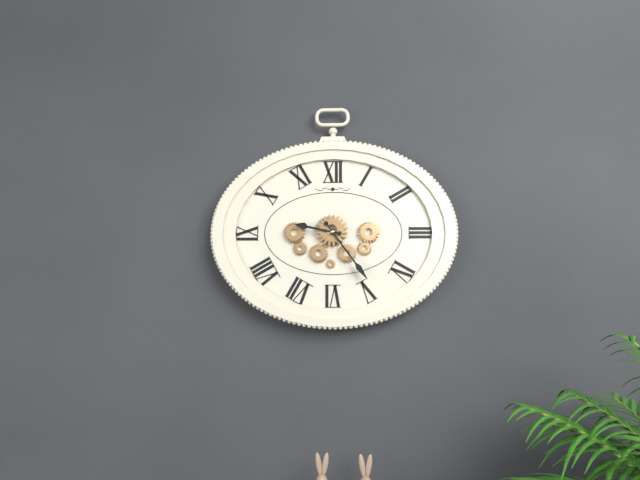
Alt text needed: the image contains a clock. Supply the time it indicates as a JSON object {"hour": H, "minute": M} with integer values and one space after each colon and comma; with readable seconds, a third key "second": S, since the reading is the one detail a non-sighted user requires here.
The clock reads {"hour": 9, "minute": 24}
